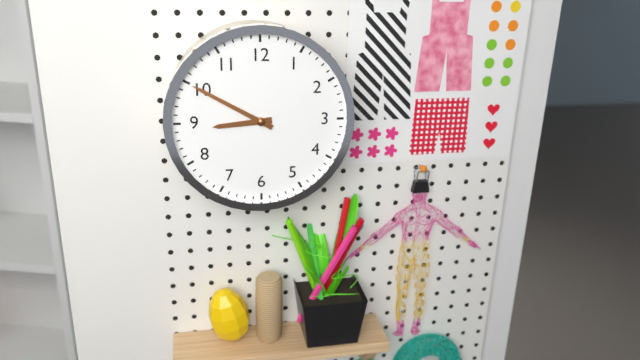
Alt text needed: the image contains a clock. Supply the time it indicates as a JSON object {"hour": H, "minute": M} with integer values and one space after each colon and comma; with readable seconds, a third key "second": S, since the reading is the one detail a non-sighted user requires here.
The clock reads {"hour": 8, "minute": 50}
